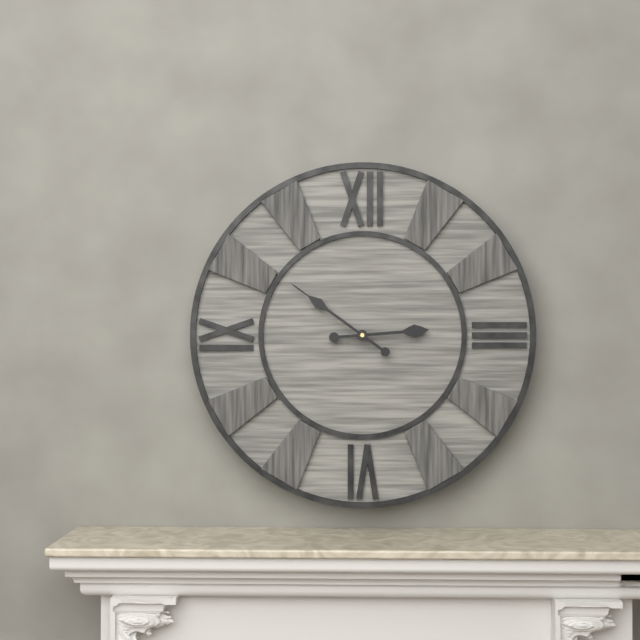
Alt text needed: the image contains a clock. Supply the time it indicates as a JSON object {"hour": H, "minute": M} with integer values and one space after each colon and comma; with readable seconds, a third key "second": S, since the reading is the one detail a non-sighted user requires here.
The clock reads {"hour": 2, "minute": 51}
